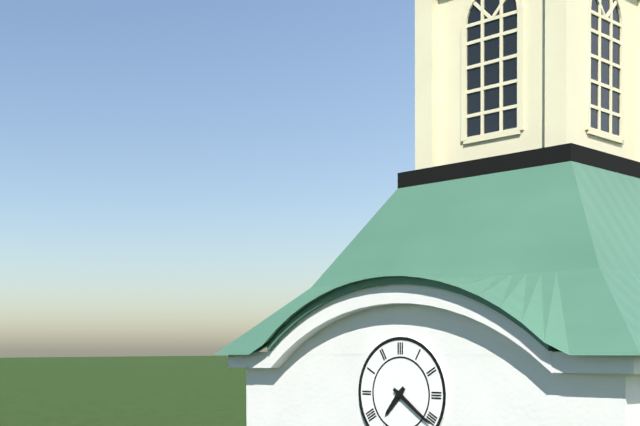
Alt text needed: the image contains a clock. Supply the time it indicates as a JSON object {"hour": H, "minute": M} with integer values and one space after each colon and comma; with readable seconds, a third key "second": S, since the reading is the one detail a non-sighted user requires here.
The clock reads {"hour": 7, "minute": 21}
